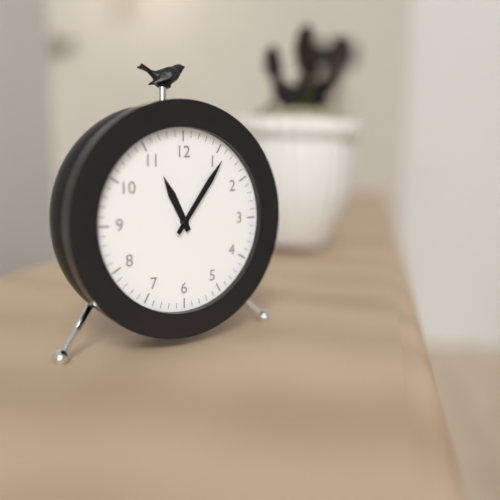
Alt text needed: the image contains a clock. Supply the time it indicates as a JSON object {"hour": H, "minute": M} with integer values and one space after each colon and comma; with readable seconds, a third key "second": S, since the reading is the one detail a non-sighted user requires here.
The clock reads {"hour": 11, "minute": 6}
